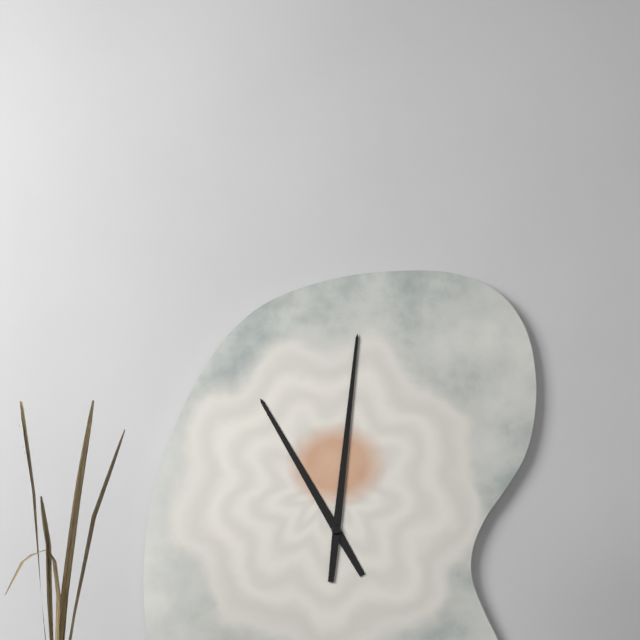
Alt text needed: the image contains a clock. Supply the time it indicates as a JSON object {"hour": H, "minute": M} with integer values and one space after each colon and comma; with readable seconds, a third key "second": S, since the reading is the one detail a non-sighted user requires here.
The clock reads {"hour": 11, "minute": 1}
